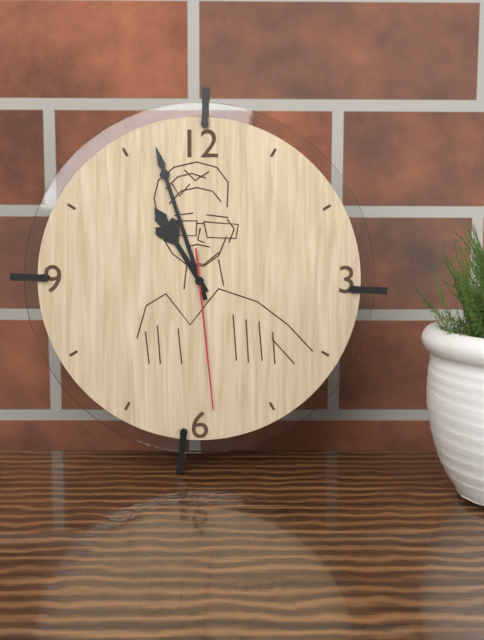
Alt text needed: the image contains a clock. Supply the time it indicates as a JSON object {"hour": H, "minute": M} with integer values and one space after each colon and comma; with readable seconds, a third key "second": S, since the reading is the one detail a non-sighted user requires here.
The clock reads {"hour": 10, "minute": 57, "second": 29}
